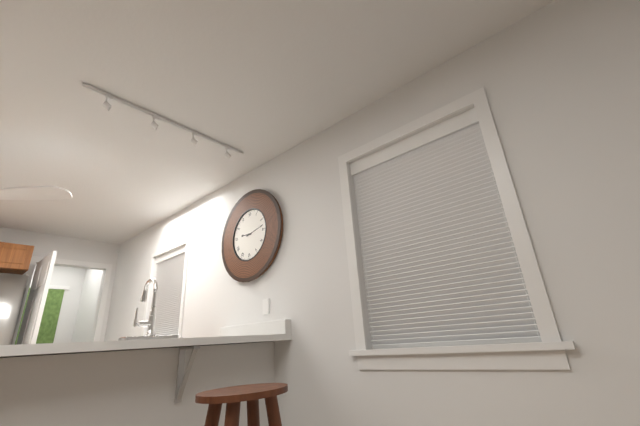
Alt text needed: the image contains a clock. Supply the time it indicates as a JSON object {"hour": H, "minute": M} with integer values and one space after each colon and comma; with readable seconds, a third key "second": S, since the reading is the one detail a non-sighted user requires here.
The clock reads {"hour": 9, "minute": 13}
